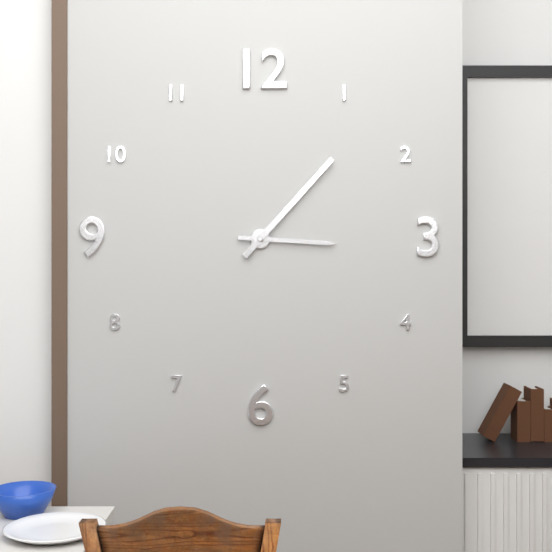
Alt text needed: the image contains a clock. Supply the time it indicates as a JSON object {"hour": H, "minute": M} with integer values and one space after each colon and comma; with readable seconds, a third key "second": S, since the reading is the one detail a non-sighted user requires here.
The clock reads {"hour": 3, "minute": 7}
